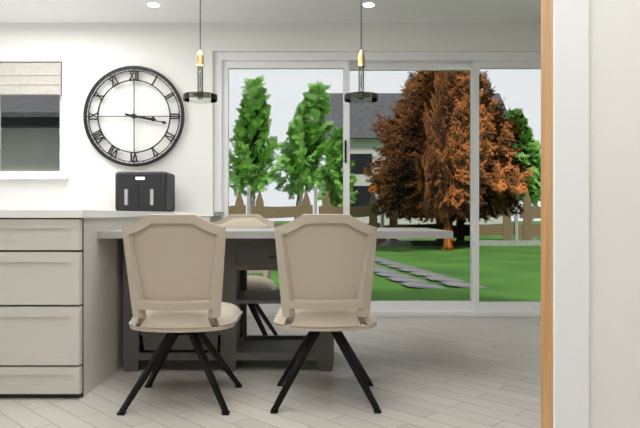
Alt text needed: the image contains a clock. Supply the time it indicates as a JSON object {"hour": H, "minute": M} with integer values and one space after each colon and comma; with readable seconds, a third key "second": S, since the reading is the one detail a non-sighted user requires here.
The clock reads {"hour": 3, "minute": 17}
